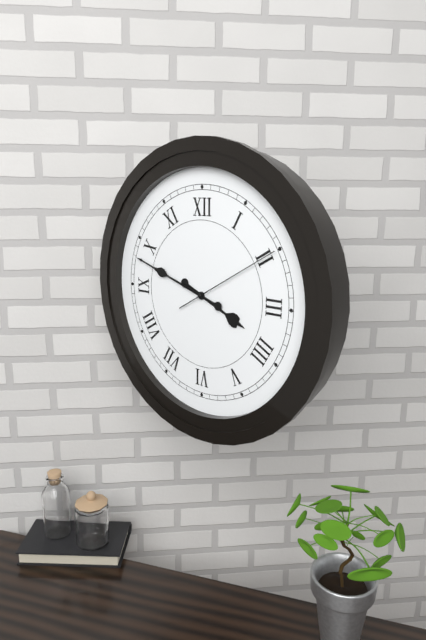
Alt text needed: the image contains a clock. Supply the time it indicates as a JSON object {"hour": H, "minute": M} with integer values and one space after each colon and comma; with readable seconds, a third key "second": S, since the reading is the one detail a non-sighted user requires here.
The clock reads {"hour": 3, "minute": 48, "second": 10}
